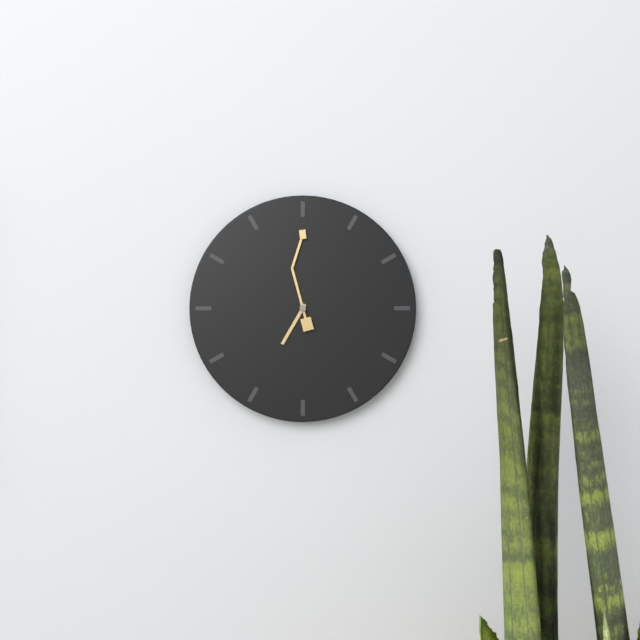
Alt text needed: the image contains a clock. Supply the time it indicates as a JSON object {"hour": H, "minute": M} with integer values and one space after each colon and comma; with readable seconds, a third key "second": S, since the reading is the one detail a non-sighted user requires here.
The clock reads {"hour": 7, "minute": 0}
